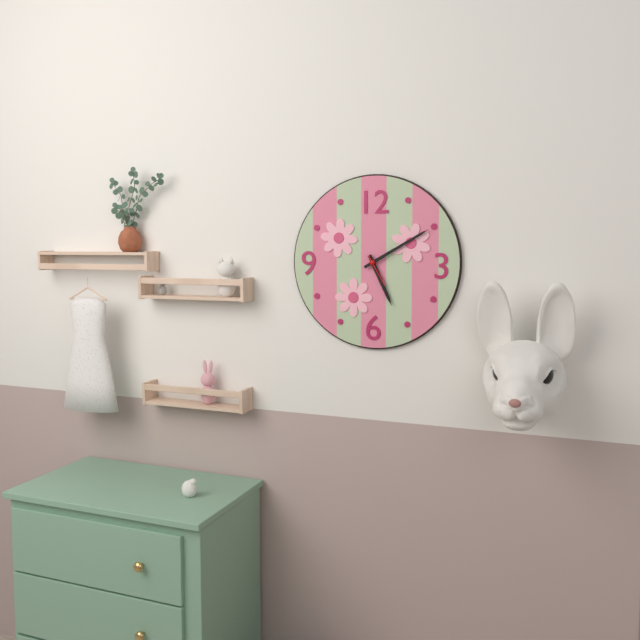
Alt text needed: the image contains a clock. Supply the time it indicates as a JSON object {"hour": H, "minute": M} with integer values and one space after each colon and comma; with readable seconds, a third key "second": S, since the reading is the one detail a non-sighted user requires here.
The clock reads {"hour": 5, "minute": 10}
